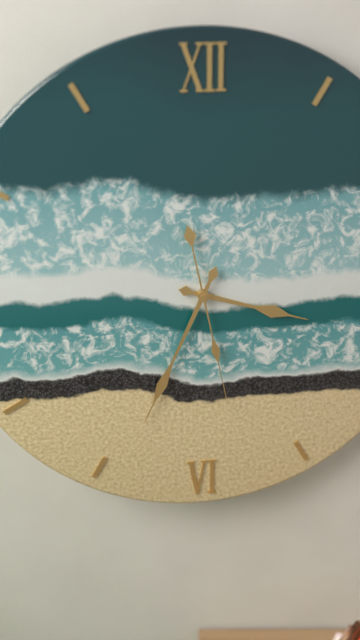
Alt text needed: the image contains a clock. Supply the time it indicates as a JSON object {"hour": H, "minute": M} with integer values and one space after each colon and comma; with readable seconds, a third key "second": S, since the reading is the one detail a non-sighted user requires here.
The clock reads {"hour": 3, "minute": 34, "second": 28}
